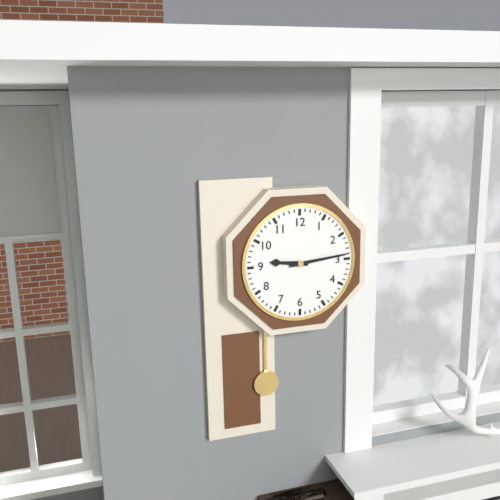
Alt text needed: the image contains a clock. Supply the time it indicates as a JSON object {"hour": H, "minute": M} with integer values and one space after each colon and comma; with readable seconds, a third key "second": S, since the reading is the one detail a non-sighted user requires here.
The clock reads {"hour": 9, "minute": 14}
